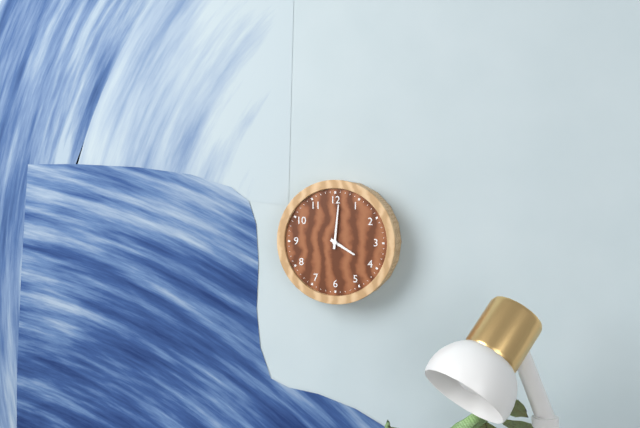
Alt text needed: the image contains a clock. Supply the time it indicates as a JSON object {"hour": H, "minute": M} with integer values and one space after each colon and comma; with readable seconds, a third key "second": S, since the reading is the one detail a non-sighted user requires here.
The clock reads {"hour": 4, "minute": 1}
